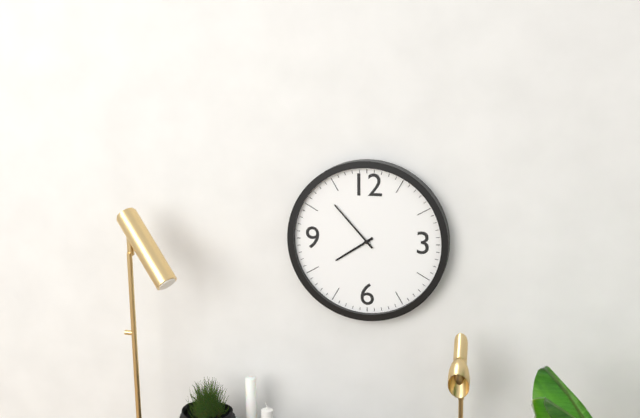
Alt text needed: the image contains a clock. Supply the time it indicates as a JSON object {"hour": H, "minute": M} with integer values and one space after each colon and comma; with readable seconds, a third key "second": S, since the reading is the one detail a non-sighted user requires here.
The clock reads {"hour": 7, "minute": 53}
